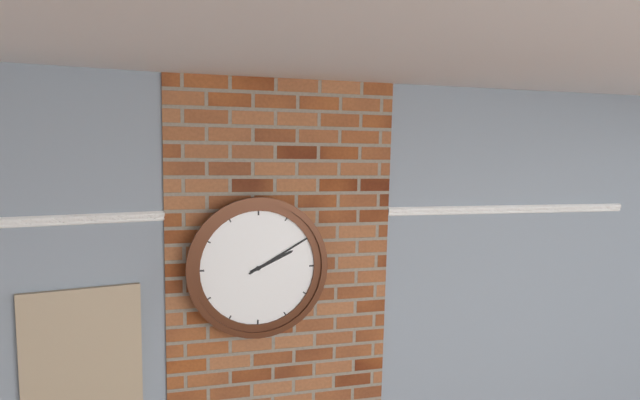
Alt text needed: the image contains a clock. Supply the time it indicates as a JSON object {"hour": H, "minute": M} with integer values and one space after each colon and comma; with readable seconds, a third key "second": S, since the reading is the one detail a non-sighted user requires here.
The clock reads {"hour": 2, "minute": 10}
